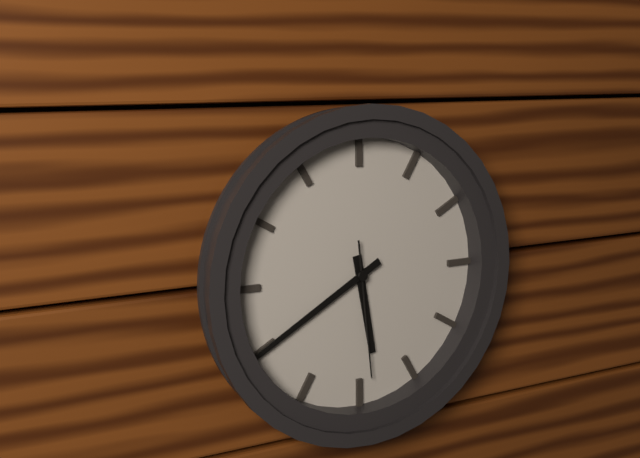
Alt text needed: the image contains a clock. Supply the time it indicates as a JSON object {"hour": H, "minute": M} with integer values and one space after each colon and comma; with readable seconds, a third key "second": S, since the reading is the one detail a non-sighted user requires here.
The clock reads {"hour": 5, "minute": 40, "second": 29}
